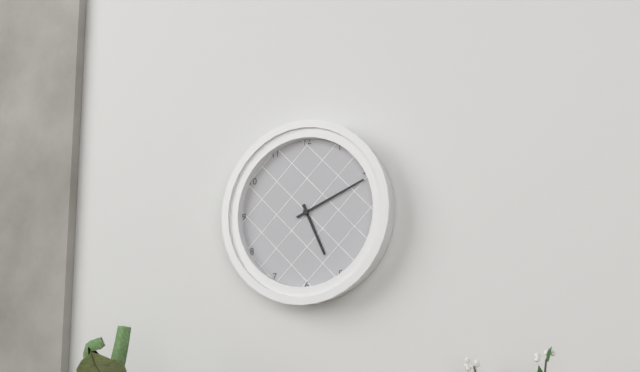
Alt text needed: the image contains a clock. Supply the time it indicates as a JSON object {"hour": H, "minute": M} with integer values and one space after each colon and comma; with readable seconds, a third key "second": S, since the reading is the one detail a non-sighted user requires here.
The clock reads {"hour": 5, "minute": 11}
